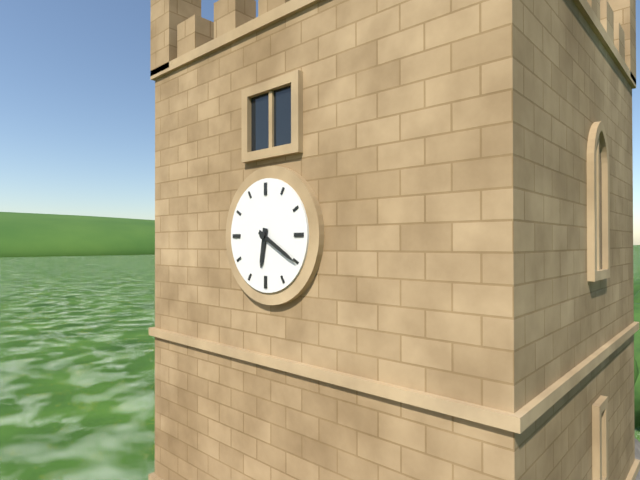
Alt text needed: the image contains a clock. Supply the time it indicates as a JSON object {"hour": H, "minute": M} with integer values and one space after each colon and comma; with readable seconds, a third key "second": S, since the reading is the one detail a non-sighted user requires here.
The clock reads {"hour": 6, "minute": 20}
